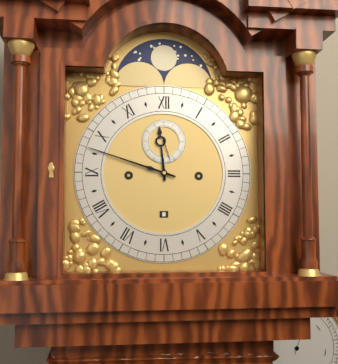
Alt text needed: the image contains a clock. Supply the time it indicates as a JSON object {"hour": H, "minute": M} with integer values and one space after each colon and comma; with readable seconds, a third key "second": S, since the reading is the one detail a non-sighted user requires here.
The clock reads {"hour": 11, "minute": 48}
